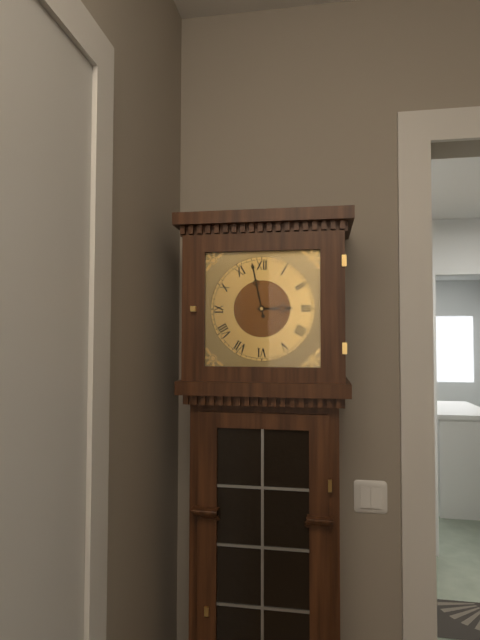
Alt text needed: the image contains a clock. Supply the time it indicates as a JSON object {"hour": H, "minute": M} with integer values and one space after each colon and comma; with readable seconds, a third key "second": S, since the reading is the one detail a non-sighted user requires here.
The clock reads {"hour": 2, "minute": 58}
